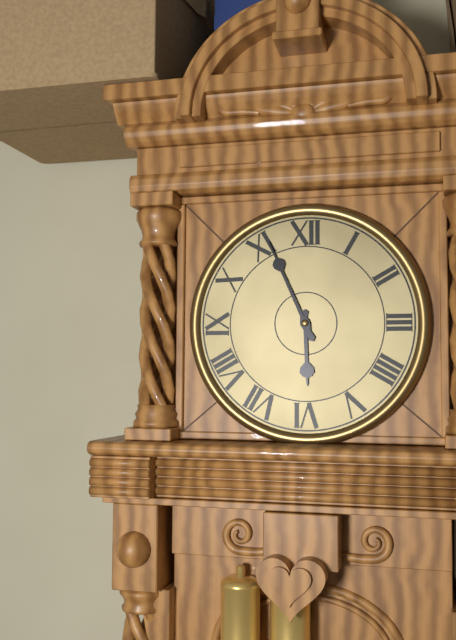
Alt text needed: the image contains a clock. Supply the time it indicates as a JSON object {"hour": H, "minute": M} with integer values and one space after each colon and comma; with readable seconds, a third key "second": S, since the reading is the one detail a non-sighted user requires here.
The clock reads {"hour": 5, "minute": 56}
